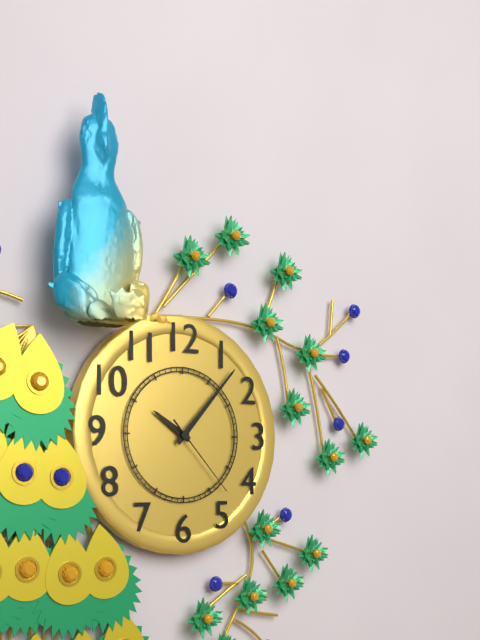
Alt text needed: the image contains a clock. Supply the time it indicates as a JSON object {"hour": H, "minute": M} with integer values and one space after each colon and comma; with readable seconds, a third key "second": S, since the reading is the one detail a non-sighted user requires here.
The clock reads {"hour": 10, "minute": 7, "second": 23}
